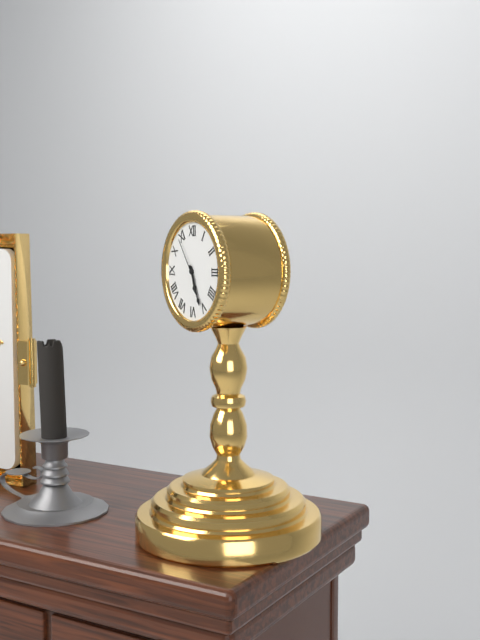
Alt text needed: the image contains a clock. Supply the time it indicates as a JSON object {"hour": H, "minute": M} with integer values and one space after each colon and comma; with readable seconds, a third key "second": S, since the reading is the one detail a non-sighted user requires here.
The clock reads {"hour": 5, "minute": 26, "second": 54}
